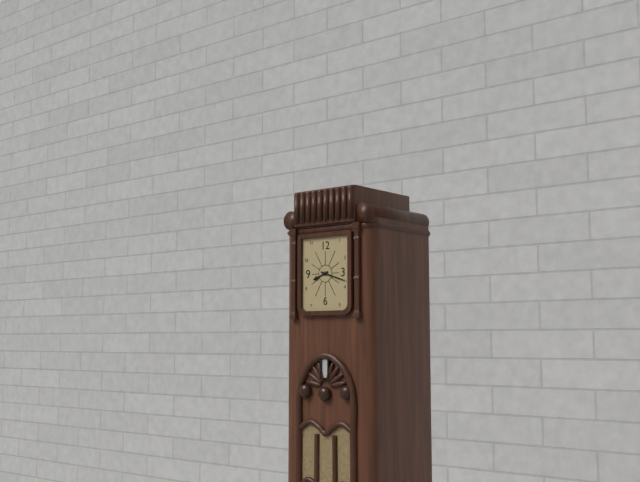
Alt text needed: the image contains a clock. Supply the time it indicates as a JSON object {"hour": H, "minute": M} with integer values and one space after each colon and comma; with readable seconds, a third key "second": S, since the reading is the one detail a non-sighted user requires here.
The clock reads {"hour": 8, "minute": 18}
